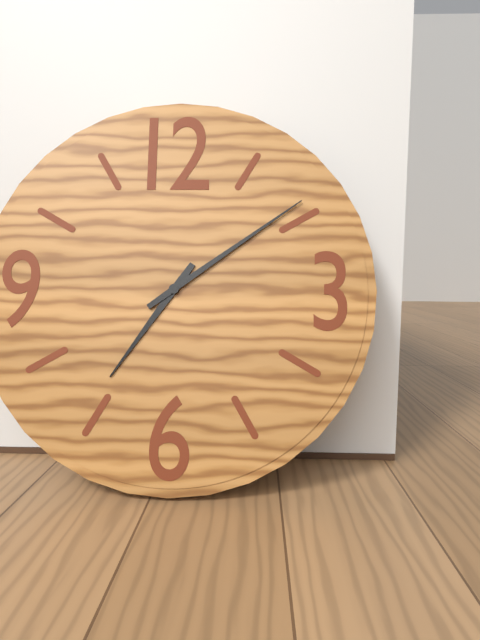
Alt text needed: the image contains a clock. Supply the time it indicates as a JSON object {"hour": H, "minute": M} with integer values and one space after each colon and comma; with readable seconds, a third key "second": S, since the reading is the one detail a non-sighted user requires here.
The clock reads {"hour": 7, "minute": 9}
